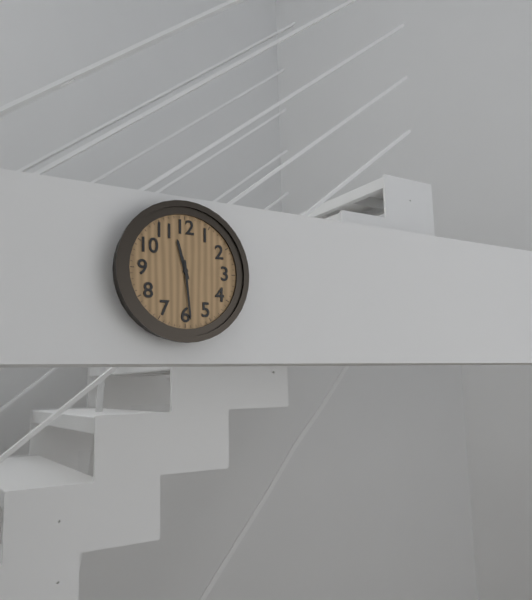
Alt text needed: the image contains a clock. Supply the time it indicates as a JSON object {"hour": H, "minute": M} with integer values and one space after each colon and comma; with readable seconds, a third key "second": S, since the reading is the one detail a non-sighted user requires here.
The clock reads {"hour": 11, "minute": 29}
